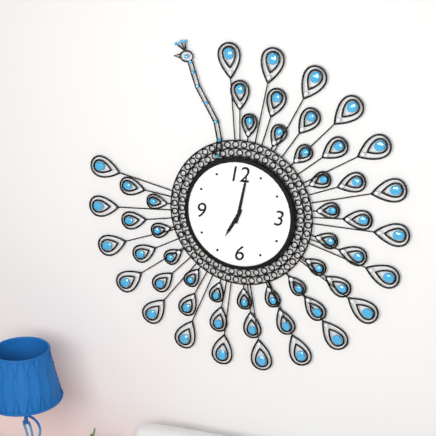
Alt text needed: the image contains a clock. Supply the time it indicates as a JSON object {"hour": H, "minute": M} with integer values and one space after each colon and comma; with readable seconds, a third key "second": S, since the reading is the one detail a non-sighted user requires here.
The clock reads {"hour": 7, "minute": 2}
